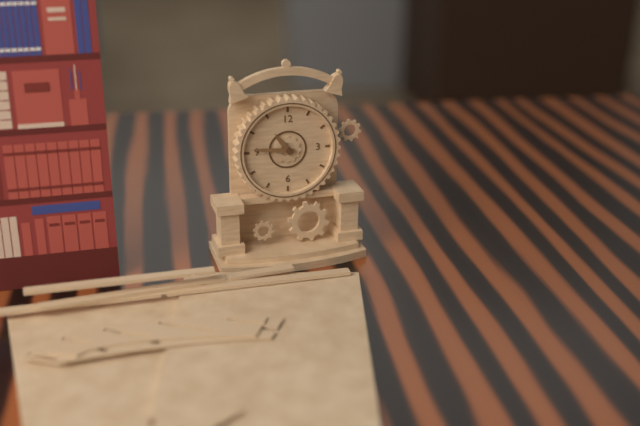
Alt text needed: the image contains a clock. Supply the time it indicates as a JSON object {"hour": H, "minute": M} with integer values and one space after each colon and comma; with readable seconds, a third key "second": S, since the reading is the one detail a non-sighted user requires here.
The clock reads {"hour": 10, "minute": 46}
